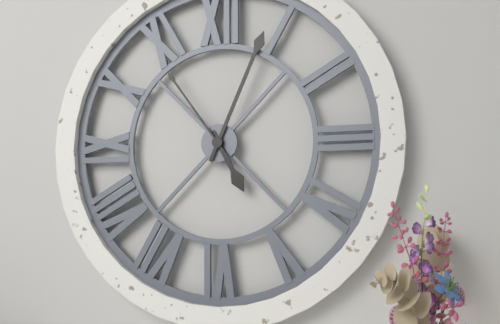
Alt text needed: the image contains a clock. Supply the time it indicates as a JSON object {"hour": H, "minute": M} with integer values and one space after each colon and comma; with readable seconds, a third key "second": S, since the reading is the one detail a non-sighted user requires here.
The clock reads {"hour": 5, "minute": 4, "second": 54}
